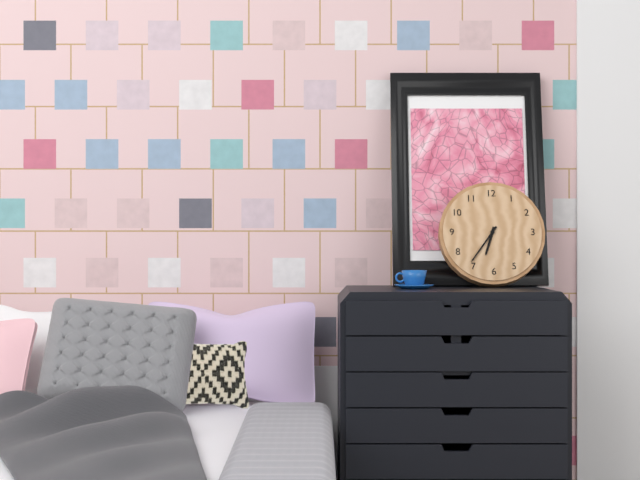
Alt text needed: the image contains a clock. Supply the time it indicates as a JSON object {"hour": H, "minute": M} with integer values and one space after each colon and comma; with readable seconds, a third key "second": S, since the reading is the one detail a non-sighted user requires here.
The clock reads {"hour": 6, "minute": 36}
